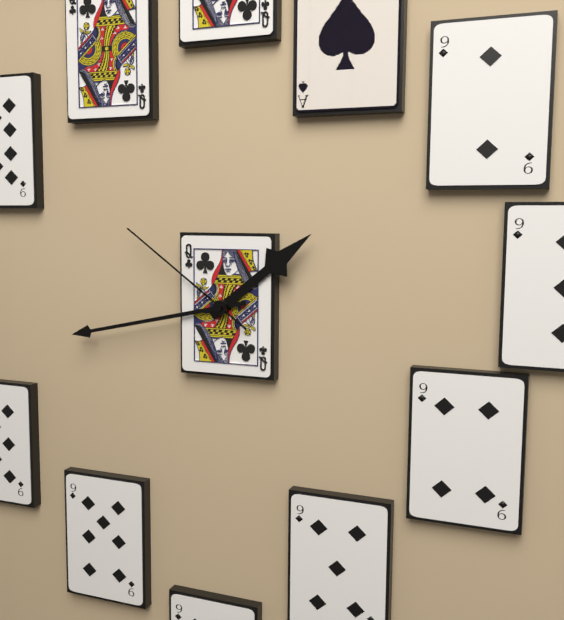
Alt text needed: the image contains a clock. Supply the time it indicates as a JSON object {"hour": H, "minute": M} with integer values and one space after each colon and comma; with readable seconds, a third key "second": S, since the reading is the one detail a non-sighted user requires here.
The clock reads {"hour": 1, "minute": 43, "second": 51}
